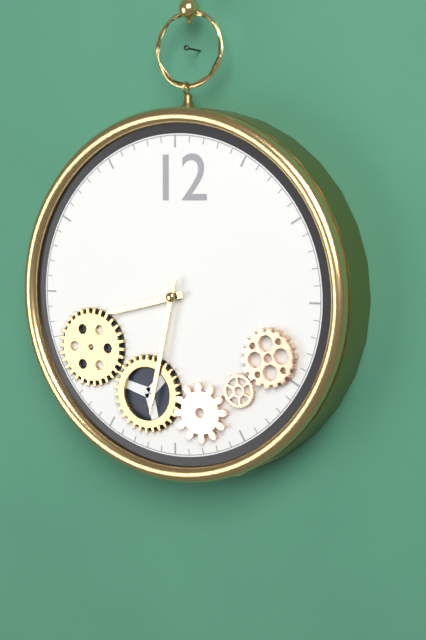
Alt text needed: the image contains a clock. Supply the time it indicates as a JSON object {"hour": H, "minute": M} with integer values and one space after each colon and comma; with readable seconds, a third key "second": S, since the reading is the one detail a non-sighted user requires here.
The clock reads {"hour": 8, "minute": 32}
